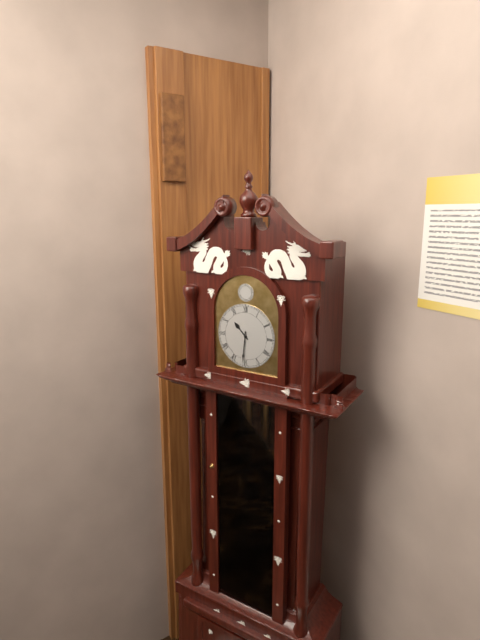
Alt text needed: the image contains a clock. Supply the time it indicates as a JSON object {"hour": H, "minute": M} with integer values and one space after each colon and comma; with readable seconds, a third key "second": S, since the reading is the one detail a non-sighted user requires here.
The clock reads {"hour": 10, "minute": 31}
